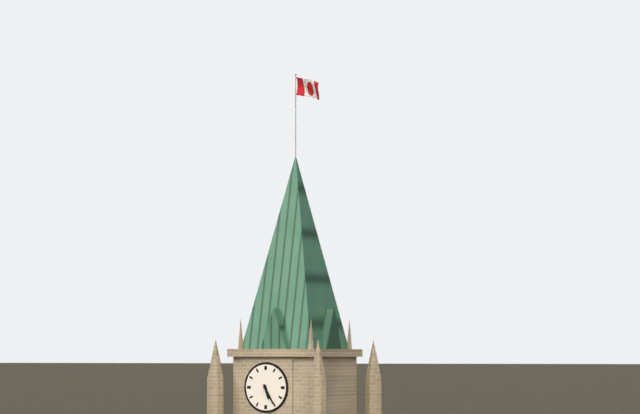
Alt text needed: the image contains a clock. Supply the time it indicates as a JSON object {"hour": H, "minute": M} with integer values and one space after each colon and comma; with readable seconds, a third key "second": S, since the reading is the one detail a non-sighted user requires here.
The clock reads {"hour": 5, "minute": 25}
